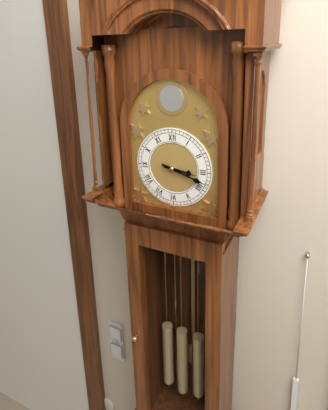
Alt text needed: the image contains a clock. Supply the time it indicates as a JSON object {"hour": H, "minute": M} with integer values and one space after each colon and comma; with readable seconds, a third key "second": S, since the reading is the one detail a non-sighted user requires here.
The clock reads {"hour": 3, "minute": 18}
